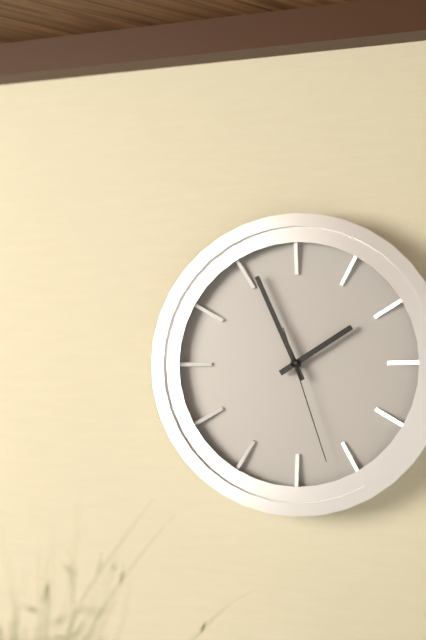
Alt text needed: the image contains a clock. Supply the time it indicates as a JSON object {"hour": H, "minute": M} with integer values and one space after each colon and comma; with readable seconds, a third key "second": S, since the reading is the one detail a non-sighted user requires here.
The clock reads {"hour": 1, "minute": 56, "second": 27}
